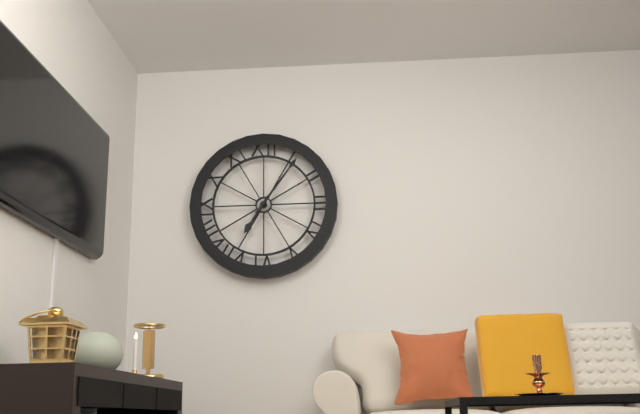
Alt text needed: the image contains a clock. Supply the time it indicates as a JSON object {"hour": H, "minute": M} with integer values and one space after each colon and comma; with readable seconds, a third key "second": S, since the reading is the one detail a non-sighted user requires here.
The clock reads {"hour": 7, "minute": 6}
